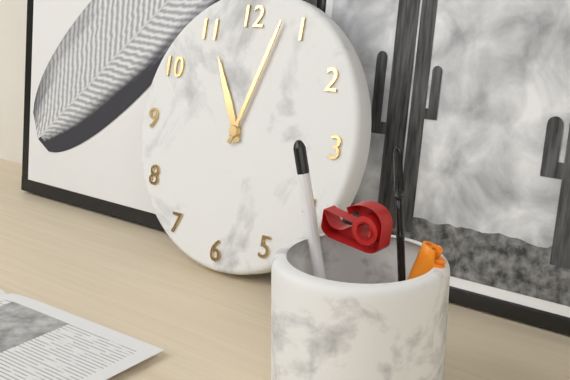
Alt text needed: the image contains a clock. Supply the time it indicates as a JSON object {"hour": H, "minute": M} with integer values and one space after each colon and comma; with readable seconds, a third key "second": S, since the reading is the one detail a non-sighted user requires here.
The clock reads {"hour": 11, "minute": 3}
